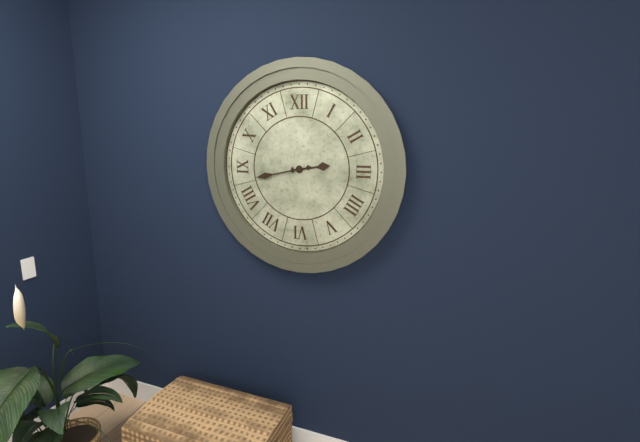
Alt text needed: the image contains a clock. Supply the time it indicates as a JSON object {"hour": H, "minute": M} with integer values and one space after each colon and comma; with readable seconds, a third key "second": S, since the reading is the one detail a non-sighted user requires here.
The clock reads {"hour": 2, "minute": 43}
